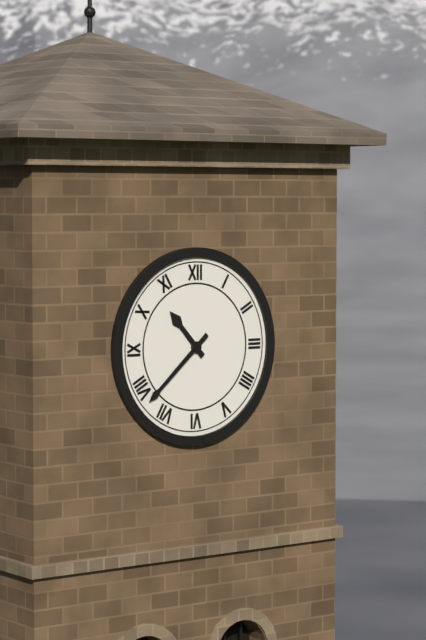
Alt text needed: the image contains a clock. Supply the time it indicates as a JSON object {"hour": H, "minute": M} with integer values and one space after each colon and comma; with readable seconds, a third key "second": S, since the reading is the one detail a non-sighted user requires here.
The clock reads {"hour": 10, "minute": 38}
